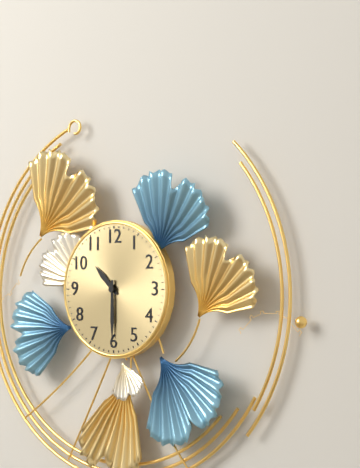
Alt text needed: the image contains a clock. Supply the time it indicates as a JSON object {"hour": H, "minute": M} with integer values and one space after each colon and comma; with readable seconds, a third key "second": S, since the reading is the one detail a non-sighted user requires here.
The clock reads {"hour": 10, "minute": 30}
